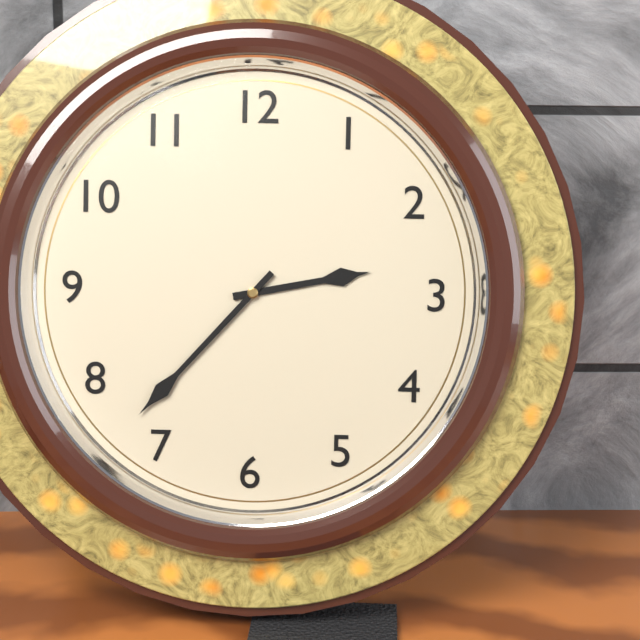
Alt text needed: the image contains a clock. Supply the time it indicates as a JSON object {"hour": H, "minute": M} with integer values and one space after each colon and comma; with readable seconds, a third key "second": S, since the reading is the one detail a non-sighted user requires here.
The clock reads {"hour": 2, "minute": 37}
